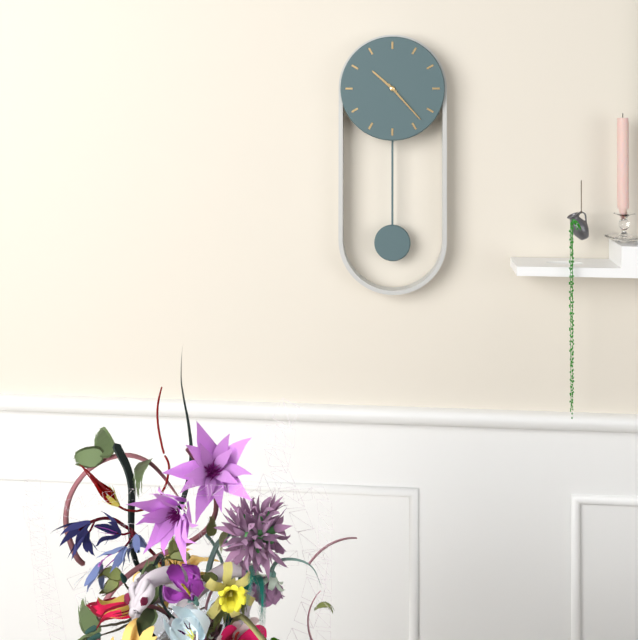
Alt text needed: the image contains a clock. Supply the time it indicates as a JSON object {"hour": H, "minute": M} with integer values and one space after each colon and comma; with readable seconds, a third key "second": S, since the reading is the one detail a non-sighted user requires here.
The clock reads {"hour": 10, "minute": 23}
